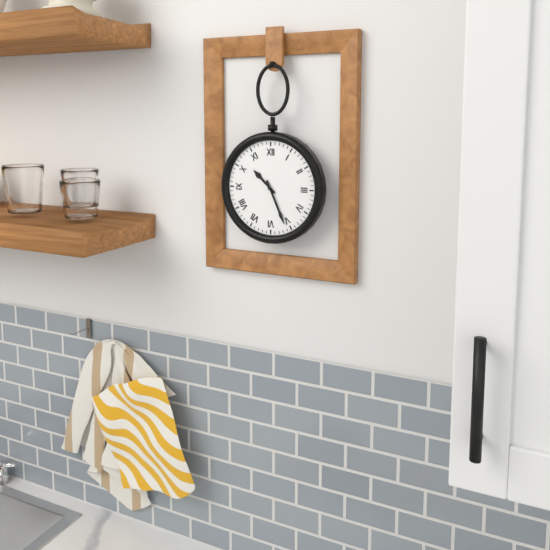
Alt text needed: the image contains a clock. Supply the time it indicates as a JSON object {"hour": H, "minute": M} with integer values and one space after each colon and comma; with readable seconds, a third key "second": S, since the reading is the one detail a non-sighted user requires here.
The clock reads {"hour": 10, "minute": 26}
